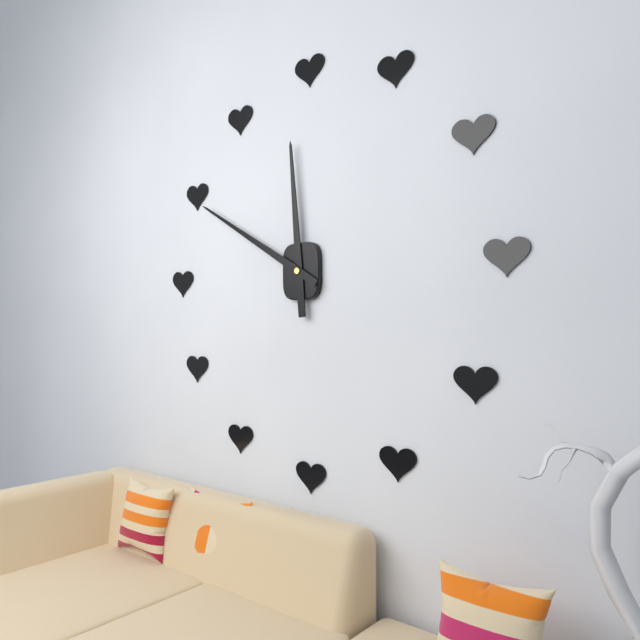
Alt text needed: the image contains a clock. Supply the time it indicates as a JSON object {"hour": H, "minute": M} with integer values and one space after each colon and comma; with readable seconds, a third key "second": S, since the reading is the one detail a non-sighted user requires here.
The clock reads {"hour": 11, "minute": 50}
